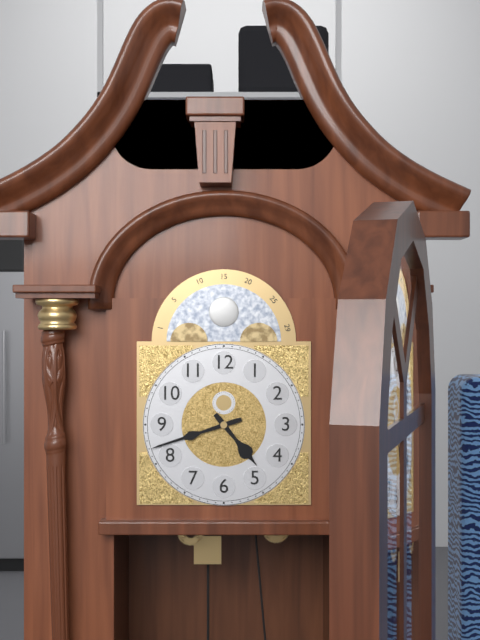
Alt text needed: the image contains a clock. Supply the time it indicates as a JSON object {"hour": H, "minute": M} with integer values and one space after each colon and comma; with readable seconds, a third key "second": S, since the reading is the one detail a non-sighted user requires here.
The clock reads {"hour": 4, "minute": 42}
